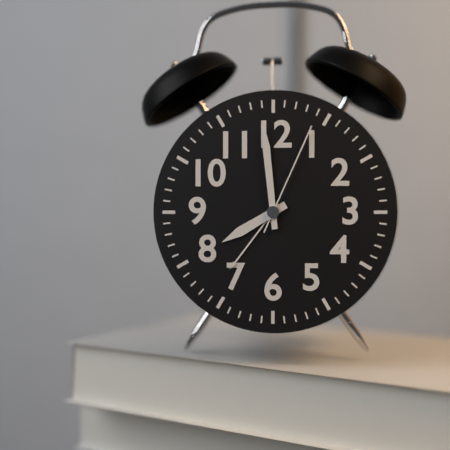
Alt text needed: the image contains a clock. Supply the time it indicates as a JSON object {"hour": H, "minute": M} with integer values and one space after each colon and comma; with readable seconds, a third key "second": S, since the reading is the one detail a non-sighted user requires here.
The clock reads {"hour": 7, "minute": 59, "second": 4}
